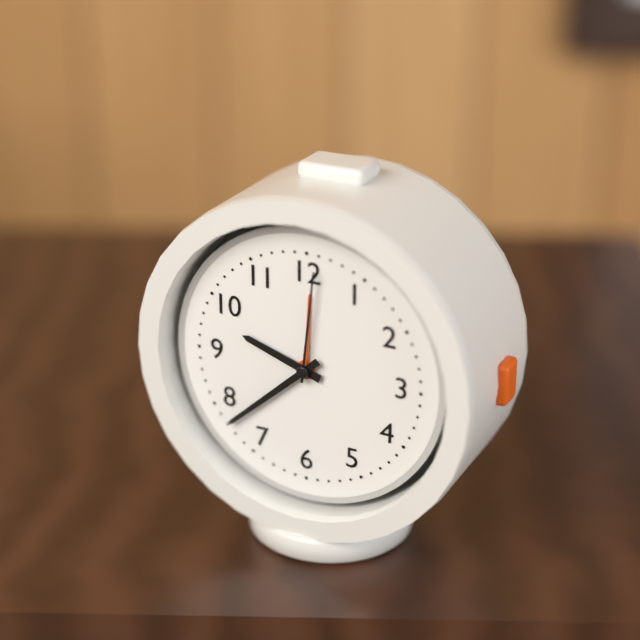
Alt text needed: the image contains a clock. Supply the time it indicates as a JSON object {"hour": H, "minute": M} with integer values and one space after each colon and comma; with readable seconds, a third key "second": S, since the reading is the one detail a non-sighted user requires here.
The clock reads {"hour": 9, "minute": 38, "second": 1}
